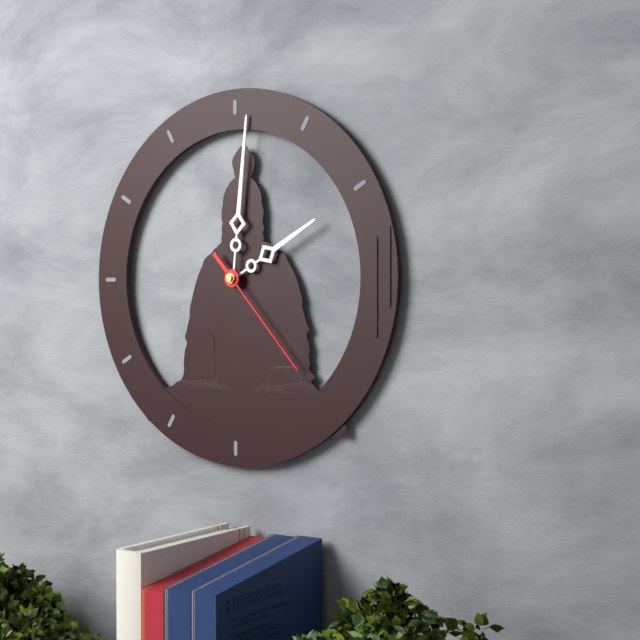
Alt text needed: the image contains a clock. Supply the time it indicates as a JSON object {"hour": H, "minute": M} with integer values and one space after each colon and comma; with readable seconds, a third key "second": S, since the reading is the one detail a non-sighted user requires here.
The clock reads {"hour": 2, "minute": 1, "second": 23}
